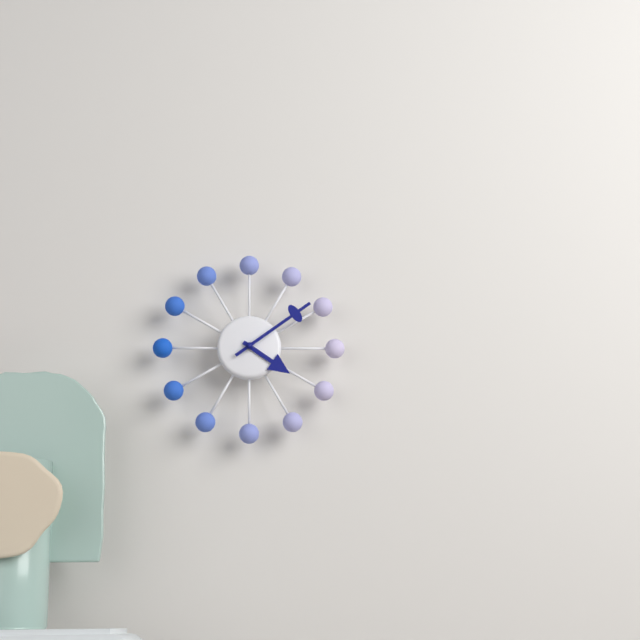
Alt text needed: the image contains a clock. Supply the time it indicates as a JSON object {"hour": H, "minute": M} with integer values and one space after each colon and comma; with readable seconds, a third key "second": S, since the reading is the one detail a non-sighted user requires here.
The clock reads {"hour": 4, "minute": 9}
